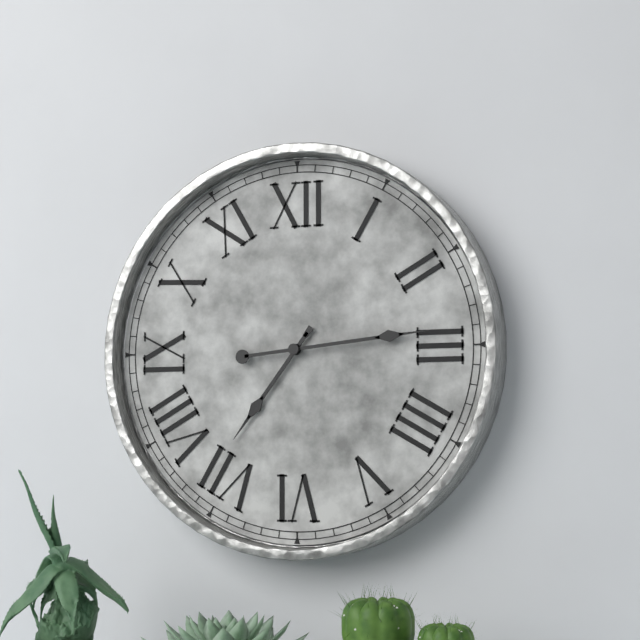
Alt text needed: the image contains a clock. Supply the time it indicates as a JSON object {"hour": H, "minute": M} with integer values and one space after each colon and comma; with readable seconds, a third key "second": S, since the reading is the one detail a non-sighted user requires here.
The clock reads {"hour": 7, "minute": 14}
